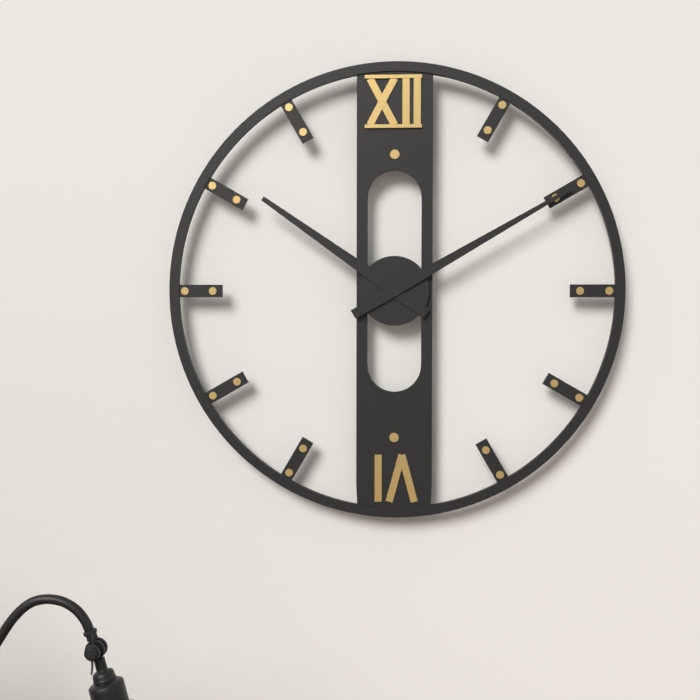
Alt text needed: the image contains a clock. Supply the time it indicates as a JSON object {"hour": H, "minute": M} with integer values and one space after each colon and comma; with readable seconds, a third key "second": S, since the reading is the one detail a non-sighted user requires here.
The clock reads {"hour": 10, "minute": 10}
